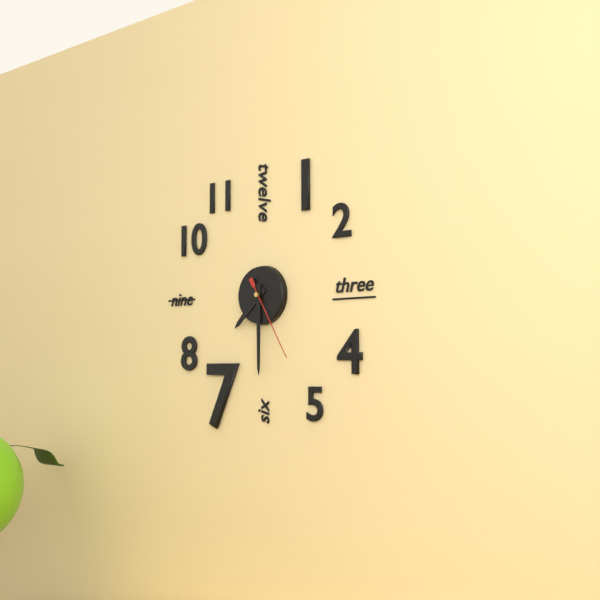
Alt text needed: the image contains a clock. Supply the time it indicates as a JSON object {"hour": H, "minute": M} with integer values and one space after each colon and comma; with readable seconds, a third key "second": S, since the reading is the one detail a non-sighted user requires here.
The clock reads {"hour": 7, "minute": 30, "second": 25}
